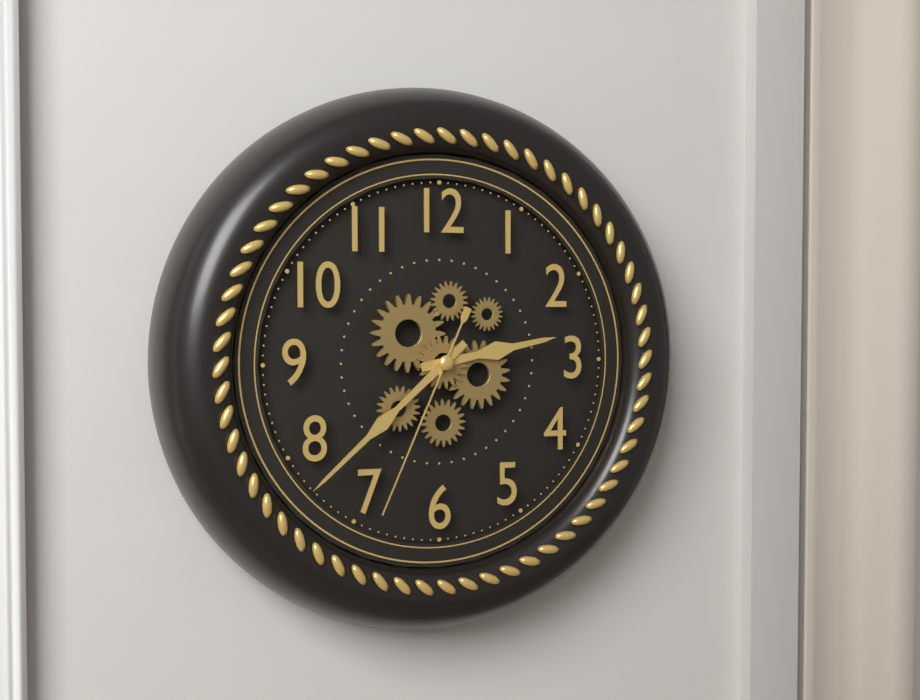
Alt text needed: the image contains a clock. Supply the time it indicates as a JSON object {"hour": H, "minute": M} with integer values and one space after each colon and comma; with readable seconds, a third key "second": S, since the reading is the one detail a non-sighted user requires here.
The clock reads {"hour": 2, "minute": 38, "second": 34}
